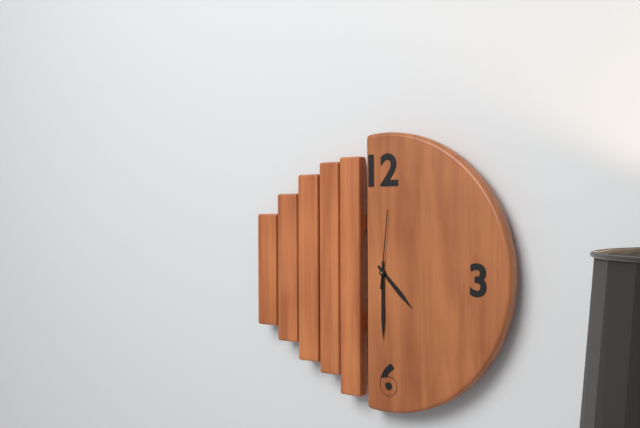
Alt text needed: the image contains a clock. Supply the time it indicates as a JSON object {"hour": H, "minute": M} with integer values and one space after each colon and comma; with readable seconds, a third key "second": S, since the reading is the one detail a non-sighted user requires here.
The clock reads {"hour": 4, "minute": 30, "second": 1}
